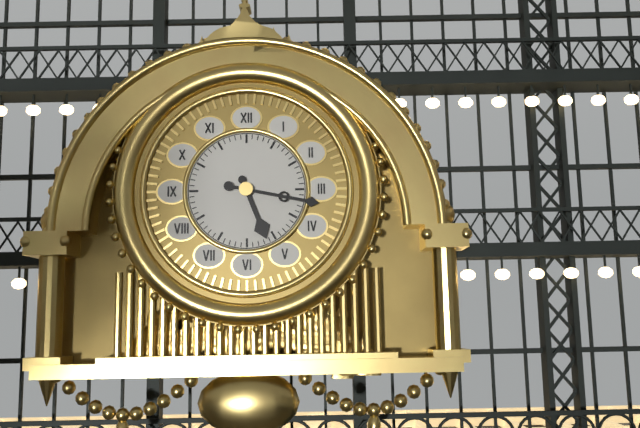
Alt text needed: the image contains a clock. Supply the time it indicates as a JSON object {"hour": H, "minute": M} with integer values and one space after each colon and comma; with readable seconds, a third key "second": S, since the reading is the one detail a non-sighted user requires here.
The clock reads {"hour": 5, "minute": 17}
